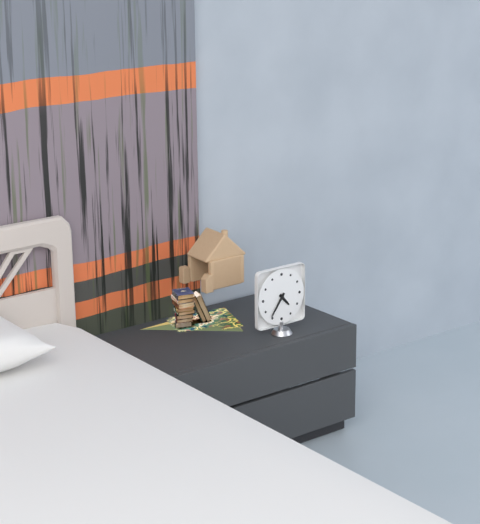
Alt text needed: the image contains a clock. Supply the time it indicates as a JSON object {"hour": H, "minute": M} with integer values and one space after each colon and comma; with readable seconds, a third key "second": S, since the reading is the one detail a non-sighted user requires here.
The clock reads {"hour": 4, "minute": 36}
